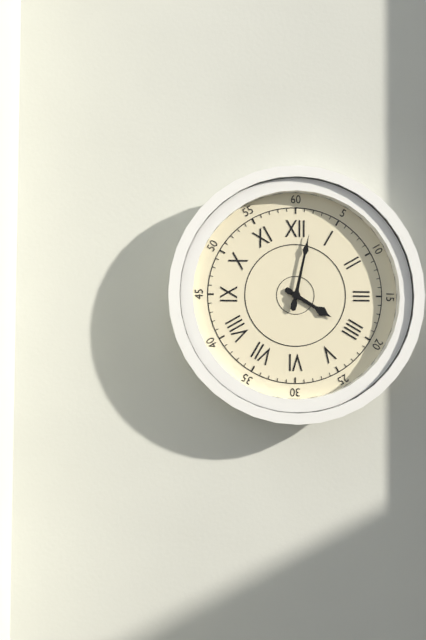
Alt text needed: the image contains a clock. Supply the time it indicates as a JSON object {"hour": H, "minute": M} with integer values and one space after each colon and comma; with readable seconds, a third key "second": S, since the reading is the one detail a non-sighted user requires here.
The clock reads {"hour": 4, "minute": 2}
